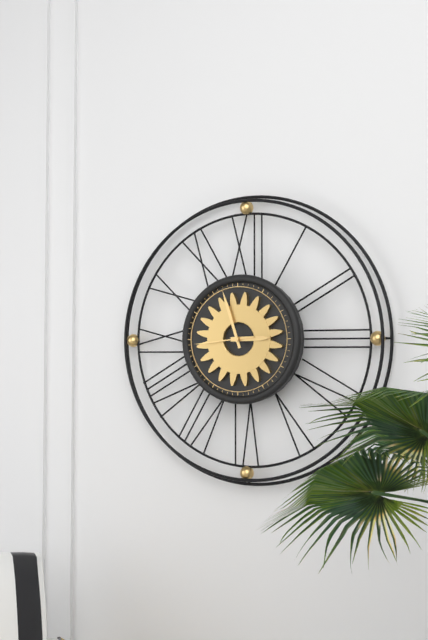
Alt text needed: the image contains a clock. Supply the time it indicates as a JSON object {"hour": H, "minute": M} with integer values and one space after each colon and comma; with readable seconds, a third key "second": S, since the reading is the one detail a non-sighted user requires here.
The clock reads {"hour": 2, "minute": 57, "second": 44}
